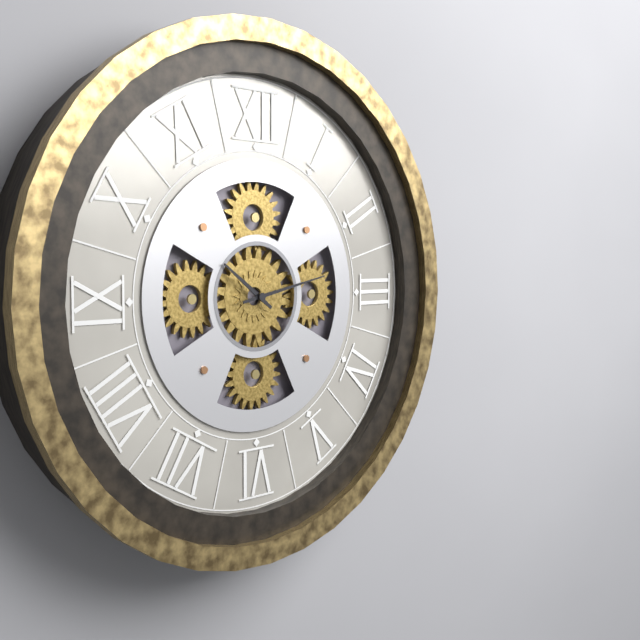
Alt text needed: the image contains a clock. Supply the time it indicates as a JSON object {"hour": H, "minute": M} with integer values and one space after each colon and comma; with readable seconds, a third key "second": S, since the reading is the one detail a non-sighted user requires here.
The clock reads {"hour": 10, "minute": 13}
